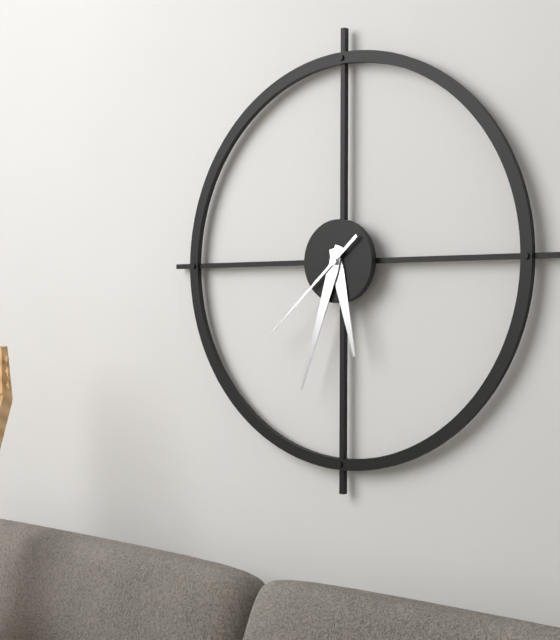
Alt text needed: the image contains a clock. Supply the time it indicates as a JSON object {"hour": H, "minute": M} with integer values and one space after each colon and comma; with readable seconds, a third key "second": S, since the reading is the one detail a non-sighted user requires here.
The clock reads {"hour": 5, "minute": 33, "second": 38}
